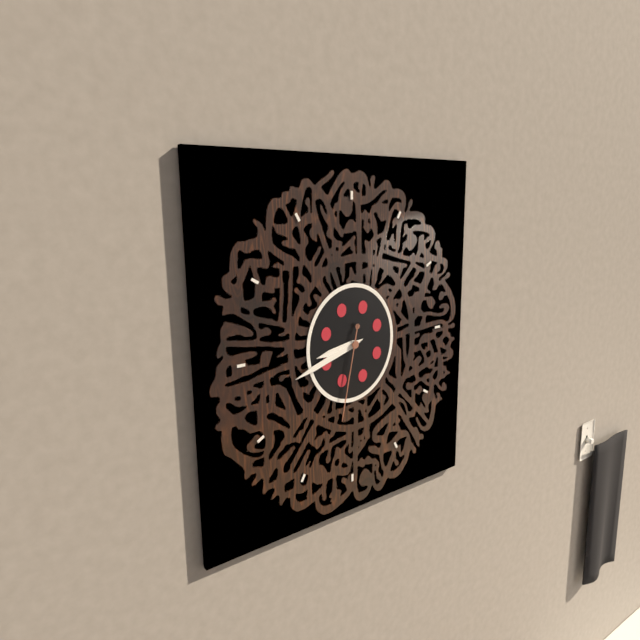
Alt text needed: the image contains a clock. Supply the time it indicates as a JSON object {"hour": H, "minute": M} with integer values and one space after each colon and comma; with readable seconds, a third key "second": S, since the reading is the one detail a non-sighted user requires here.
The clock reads {"hour": 8, "minute": 42, "second": 32}
